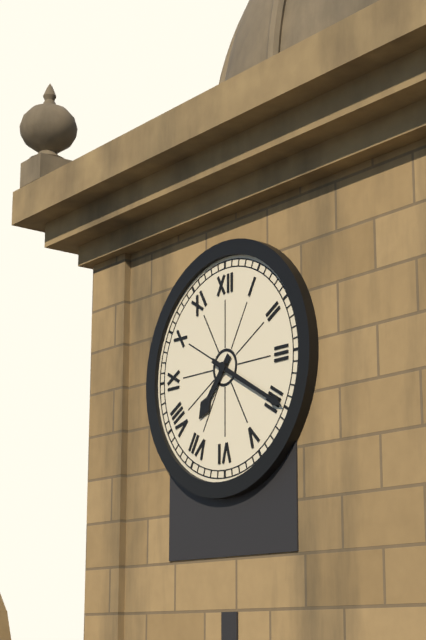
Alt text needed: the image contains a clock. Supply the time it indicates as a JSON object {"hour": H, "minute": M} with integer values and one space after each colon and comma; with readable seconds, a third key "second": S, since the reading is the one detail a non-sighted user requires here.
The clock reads {"hour": 7, "minute": 20}
